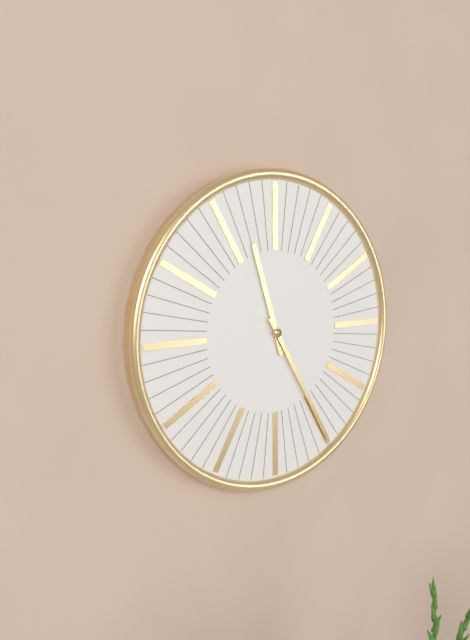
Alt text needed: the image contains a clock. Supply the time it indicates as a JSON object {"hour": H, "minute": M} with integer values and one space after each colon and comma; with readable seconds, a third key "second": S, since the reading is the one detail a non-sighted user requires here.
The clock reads {"hour": 11, "minute": 25}
